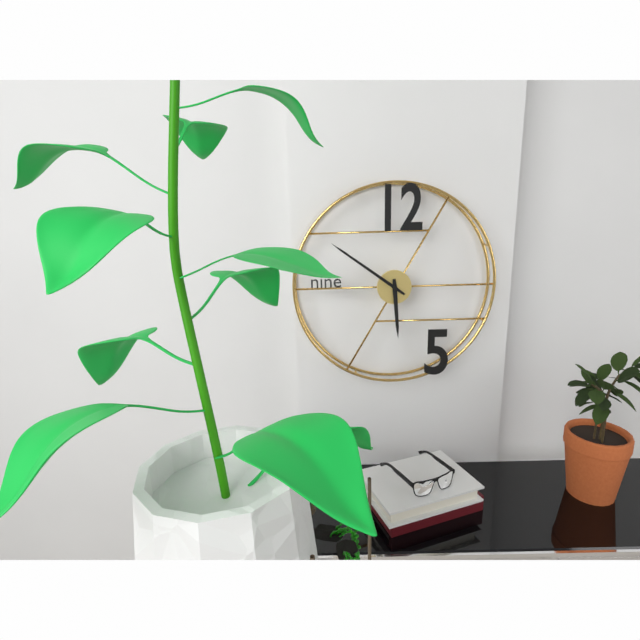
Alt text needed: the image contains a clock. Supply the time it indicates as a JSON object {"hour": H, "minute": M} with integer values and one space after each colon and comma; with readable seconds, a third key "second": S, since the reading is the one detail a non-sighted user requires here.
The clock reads {"hour": 5, "minute": 51}
